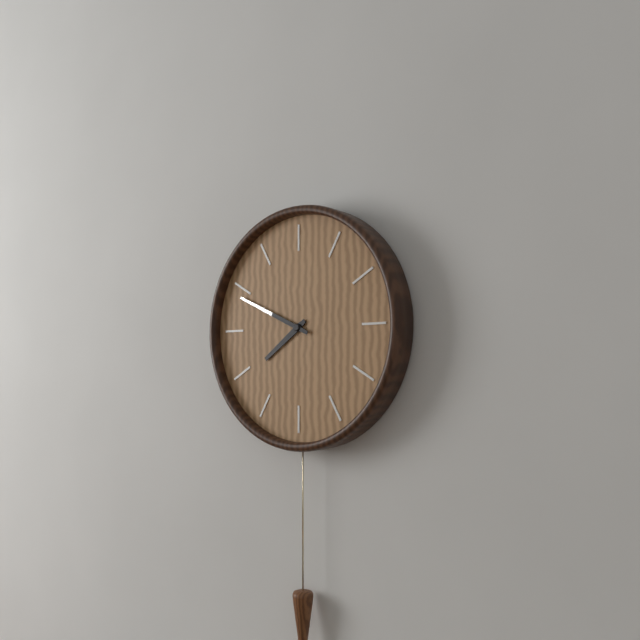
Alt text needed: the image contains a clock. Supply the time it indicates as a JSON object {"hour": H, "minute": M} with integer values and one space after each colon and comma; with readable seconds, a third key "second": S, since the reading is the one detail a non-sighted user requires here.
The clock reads {"hour": 7, "minute": 49}
